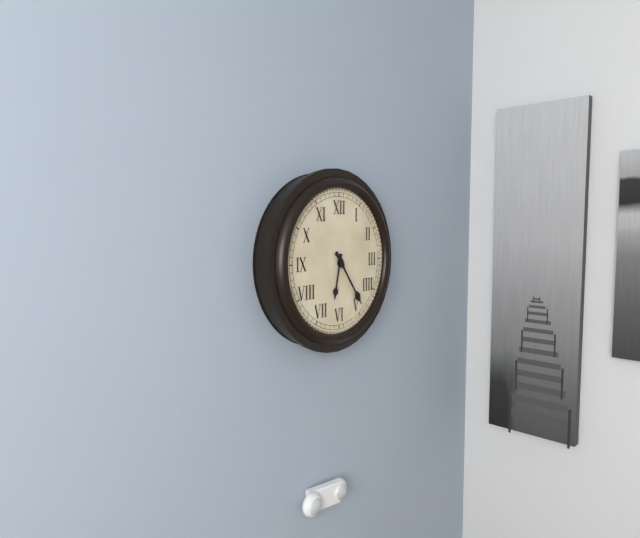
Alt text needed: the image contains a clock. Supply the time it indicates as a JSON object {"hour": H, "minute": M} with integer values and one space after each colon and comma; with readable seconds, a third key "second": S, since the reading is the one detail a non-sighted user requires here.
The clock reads {"hour": 6, "minute": 24}
